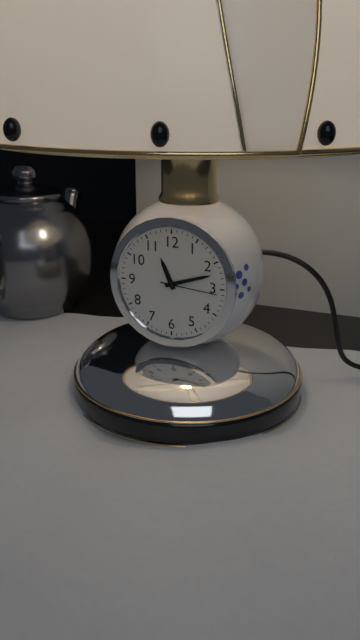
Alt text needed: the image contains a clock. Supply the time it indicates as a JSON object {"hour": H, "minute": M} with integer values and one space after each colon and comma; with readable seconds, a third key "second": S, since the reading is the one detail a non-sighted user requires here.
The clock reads {"hour": 11, "minute": 12, "second": 16}
